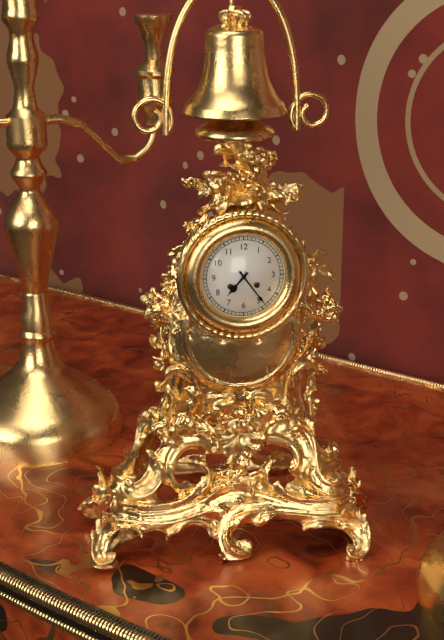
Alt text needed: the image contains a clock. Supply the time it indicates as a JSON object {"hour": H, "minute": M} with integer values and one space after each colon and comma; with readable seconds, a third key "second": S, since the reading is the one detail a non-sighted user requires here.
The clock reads {"hour": 7, "minute": 24}
